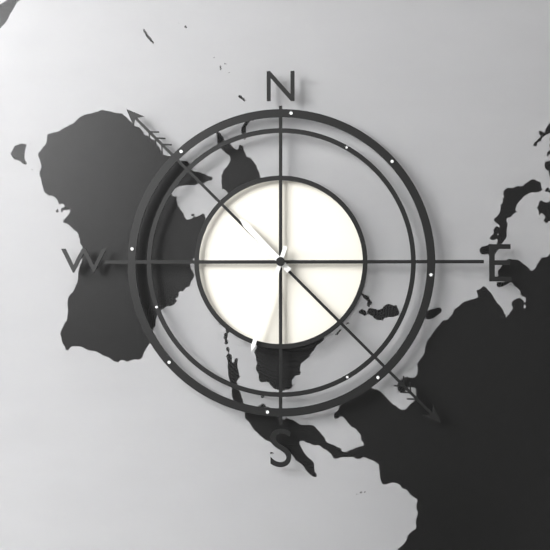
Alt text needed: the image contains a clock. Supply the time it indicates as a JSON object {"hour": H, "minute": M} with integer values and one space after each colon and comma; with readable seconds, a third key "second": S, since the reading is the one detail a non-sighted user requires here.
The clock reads {"hour": 10, "minute": 33}
